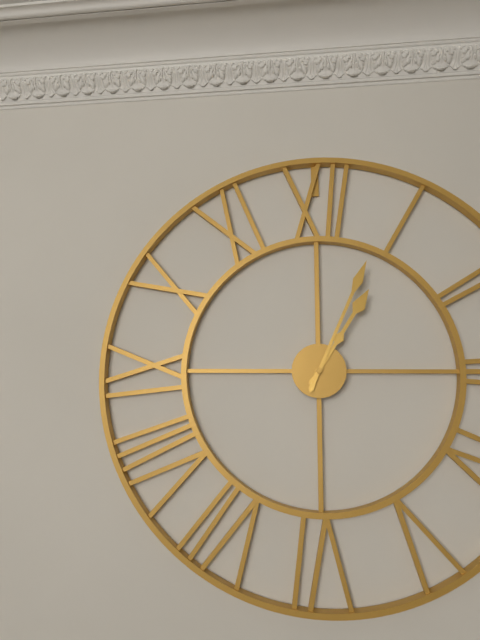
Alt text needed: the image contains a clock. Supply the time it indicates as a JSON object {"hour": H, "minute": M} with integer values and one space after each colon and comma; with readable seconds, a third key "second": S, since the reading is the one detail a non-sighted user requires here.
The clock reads {"hour": 1, "minute": 4}
